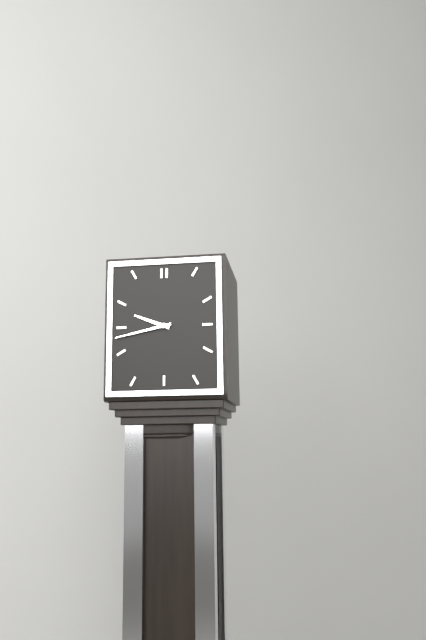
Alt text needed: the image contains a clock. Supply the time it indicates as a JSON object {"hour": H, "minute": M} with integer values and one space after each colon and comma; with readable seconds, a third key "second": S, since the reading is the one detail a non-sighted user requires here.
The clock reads {"hour": 9, "minute": 43}
